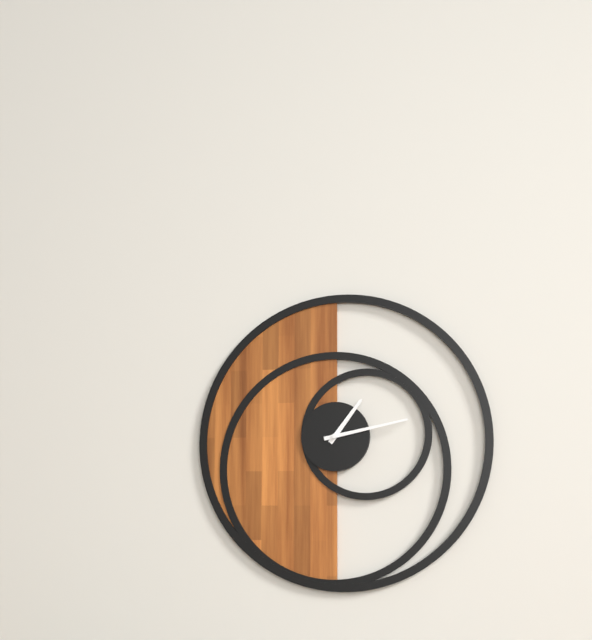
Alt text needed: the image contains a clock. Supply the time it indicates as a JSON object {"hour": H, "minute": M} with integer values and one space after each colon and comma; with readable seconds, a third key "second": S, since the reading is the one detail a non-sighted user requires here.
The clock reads {"hour": 1, "minute": 13}
